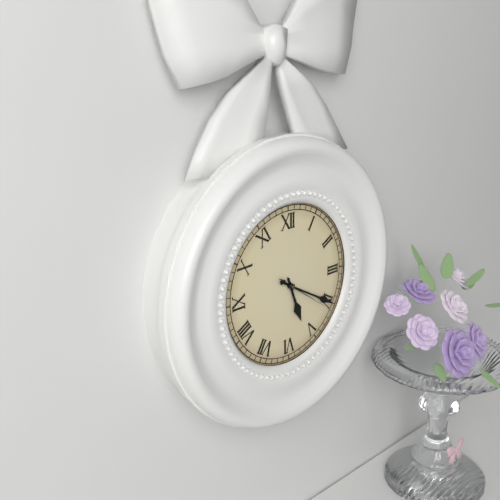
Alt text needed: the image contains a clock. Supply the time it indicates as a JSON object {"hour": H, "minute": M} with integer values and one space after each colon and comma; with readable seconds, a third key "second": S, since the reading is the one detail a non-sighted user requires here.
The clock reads {"hour": 5, "minute": 20, "second": 21}
